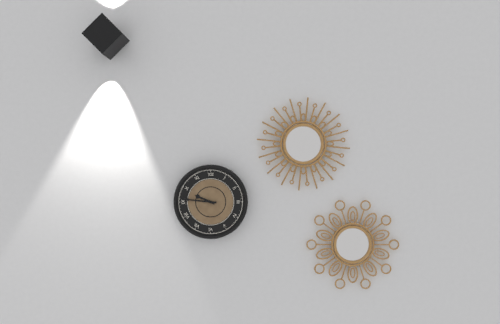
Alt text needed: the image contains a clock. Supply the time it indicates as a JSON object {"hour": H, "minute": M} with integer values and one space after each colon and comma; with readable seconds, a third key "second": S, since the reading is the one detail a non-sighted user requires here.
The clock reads {"hour": 9, "minute": 46}
